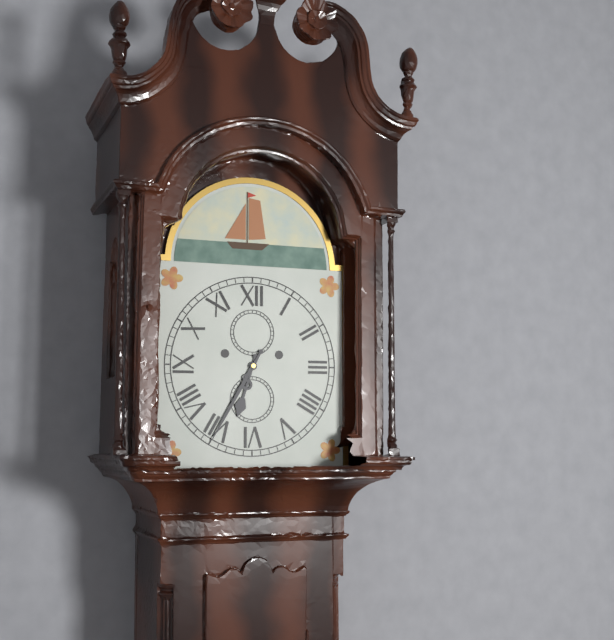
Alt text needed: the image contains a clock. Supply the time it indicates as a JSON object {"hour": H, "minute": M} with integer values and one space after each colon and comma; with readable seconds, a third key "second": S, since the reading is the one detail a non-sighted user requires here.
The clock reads {"hour": 6, "minute": 35}
